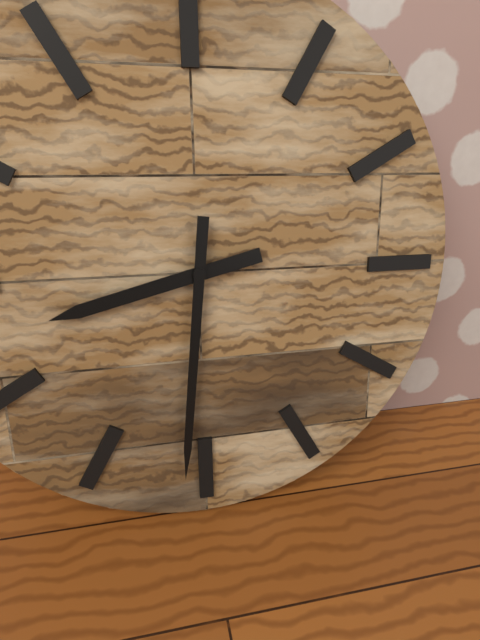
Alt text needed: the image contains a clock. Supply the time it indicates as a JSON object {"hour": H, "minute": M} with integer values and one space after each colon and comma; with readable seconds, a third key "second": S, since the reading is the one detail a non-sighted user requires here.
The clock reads {"hour": 8, "minute": 31}
